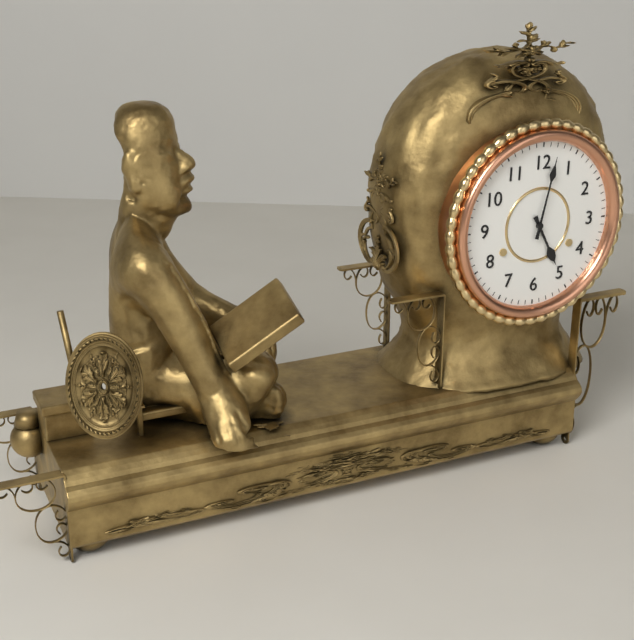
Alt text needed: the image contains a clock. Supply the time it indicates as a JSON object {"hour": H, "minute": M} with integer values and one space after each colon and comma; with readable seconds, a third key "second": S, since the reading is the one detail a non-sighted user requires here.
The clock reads {"hour": 5, "minute": 2}
